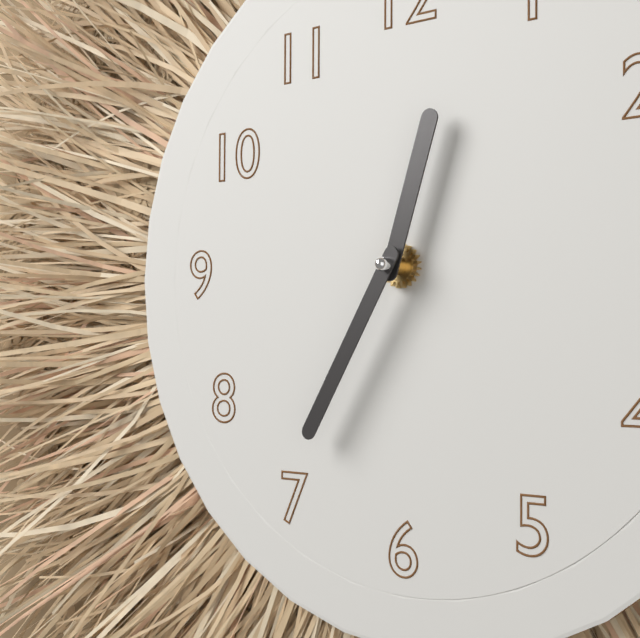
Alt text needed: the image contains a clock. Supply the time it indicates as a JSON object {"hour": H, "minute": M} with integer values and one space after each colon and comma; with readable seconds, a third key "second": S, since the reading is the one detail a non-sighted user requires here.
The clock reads {"hour": 12, "minute": 35}
